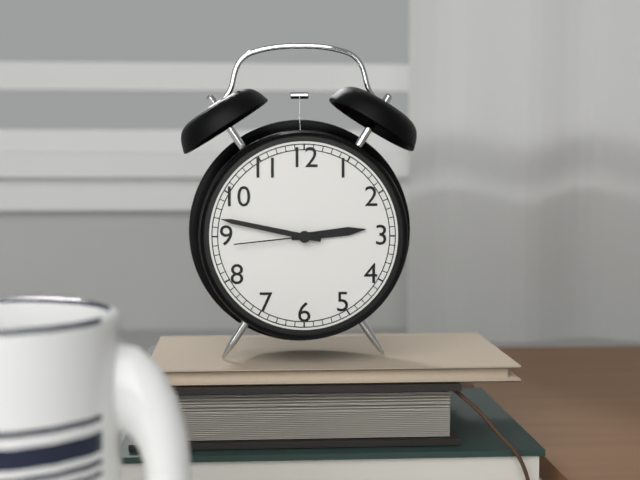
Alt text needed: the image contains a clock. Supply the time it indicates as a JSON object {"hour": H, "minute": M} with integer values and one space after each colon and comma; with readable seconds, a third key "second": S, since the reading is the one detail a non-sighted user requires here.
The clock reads {"hour": 2, "minute": 47, "second": 44}
